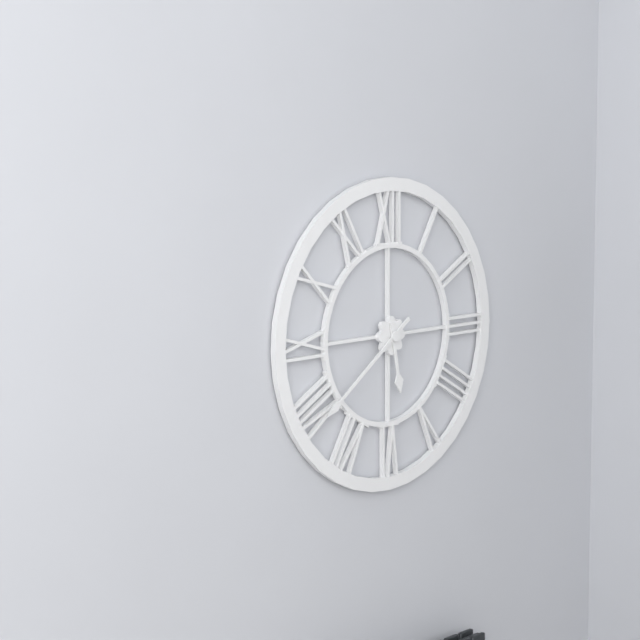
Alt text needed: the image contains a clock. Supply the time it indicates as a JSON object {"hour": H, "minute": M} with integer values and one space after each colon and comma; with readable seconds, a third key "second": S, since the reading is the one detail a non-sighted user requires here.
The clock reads {"hour": 5, "minute": 39}
